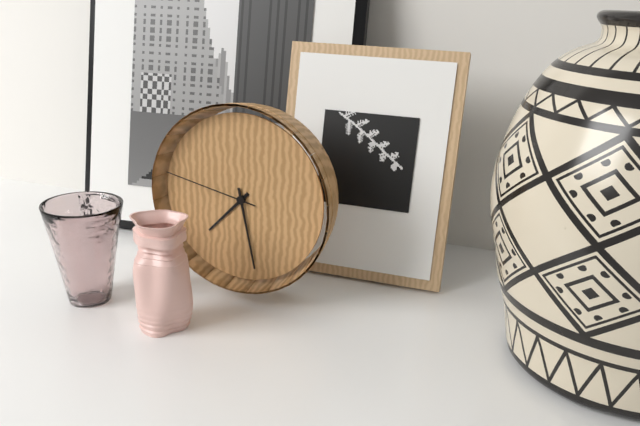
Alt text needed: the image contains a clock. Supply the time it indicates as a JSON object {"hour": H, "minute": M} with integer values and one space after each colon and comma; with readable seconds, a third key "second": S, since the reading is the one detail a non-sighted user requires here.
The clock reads {"hour": 7, "minute": 28, "second": 47}
